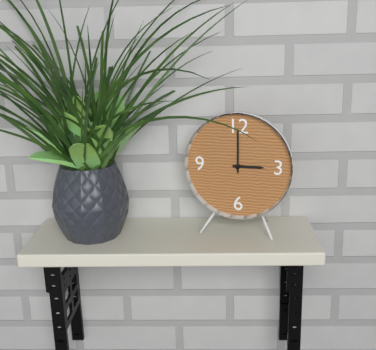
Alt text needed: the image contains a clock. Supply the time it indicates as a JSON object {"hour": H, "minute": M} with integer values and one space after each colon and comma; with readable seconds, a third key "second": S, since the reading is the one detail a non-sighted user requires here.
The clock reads {"hour": 3, "minute": 0}
